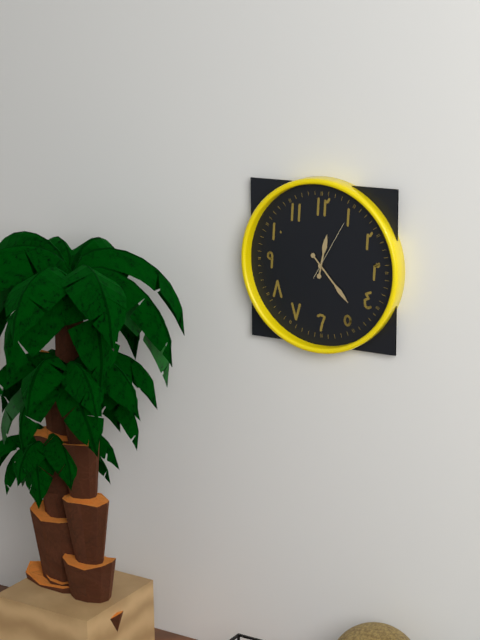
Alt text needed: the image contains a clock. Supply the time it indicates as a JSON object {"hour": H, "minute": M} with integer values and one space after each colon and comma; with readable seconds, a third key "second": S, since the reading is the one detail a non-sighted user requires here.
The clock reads {"hour": 12, "minute": 23, "second": 5}
